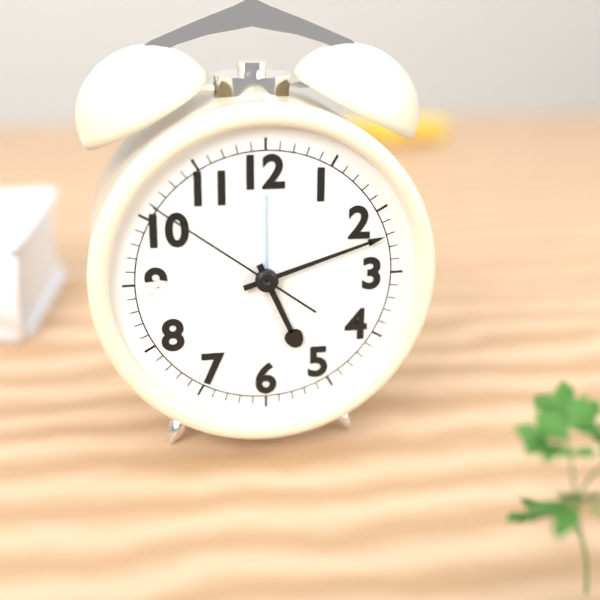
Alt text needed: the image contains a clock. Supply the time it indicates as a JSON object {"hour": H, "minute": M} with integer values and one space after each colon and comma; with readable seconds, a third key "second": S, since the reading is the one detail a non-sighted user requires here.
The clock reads {"hour": 5, "minute": 12, "second": 51}
